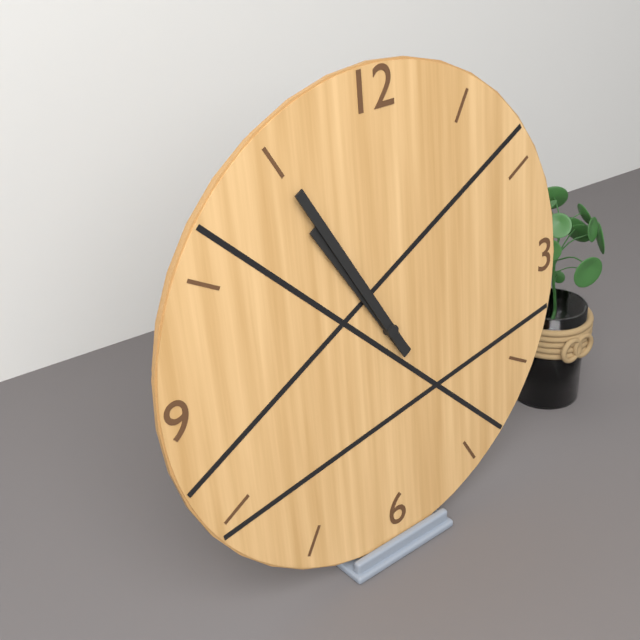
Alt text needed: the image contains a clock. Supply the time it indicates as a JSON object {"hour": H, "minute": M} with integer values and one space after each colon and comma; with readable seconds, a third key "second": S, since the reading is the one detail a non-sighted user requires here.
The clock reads {"hour": 10, "minute": 55}
